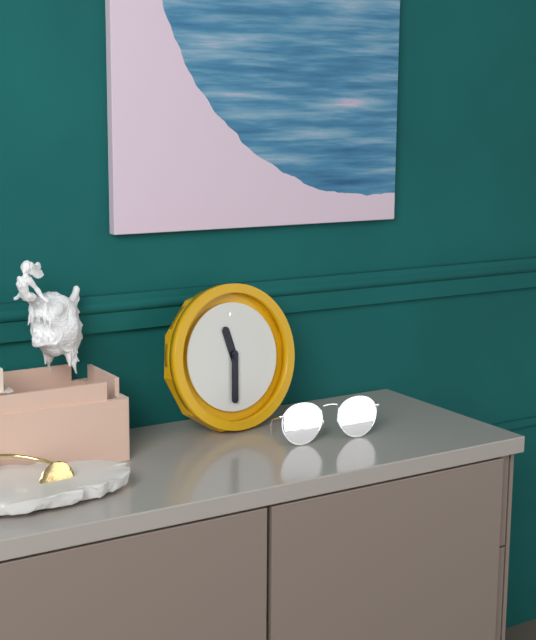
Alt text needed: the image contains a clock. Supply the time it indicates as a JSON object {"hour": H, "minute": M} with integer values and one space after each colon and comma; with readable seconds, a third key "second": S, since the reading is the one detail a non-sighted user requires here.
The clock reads {"hour": 11, "minute": 31}
